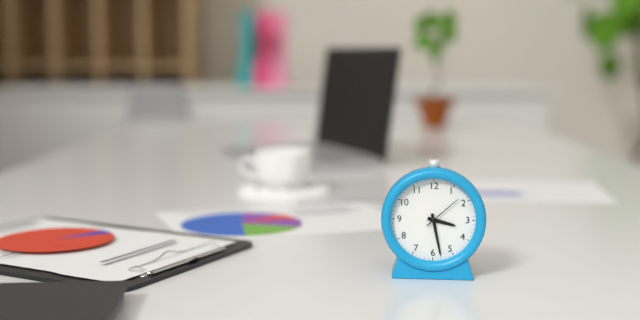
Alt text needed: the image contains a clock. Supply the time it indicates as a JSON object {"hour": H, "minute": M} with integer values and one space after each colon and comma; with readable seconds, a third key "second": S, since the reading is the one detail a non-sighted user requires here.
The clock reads {"hour": 3, "minute": 28}
